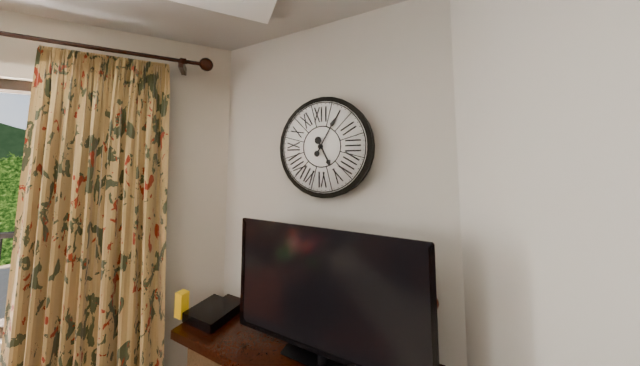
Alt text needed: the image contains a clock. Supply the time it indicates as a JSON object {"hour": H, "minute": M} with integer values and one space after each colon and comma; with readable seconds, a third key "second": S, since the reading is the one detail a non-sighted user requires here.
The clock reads {"hour": 5, "minute": 5}
